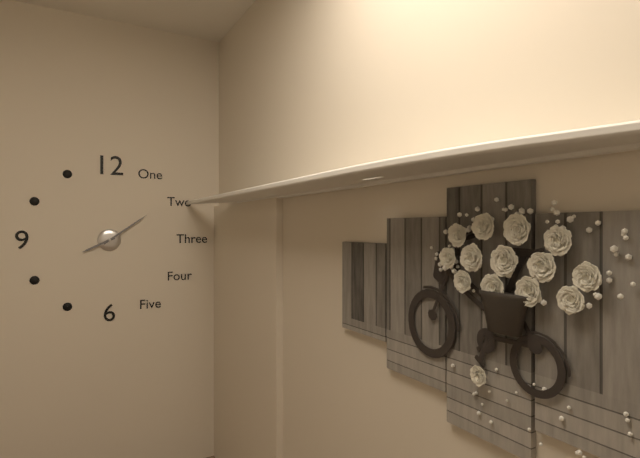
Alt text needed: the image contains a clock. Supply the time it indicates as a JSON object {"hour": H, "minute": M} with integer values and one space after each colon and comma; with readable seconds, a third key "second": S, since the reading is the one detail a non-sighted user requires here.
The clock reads {"hour": 8, "minute": 9}
